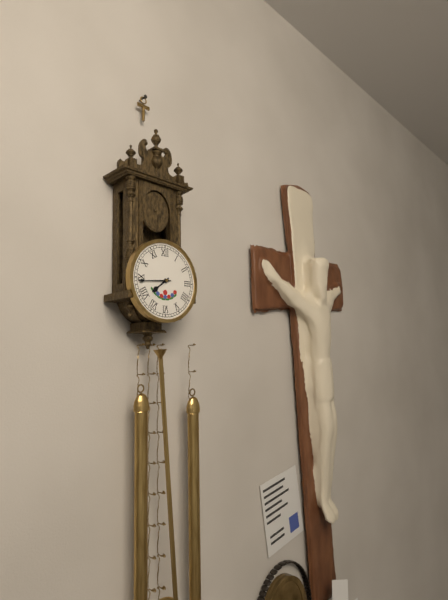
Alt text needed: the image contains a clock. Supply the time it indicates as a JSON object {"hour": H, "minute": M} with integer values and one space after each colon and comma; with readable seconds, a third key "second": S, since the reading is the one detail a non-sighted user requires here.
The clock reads {"hour": 7, "minute": 44}
